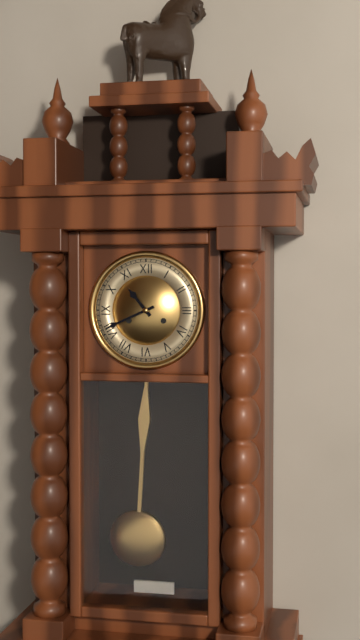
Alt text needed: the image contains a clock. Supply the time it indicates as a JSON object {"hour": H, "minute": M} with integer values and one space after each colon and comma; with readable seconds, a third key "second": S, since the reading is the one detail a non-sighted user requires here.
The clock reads {"hour": 10, "minute": 41}
